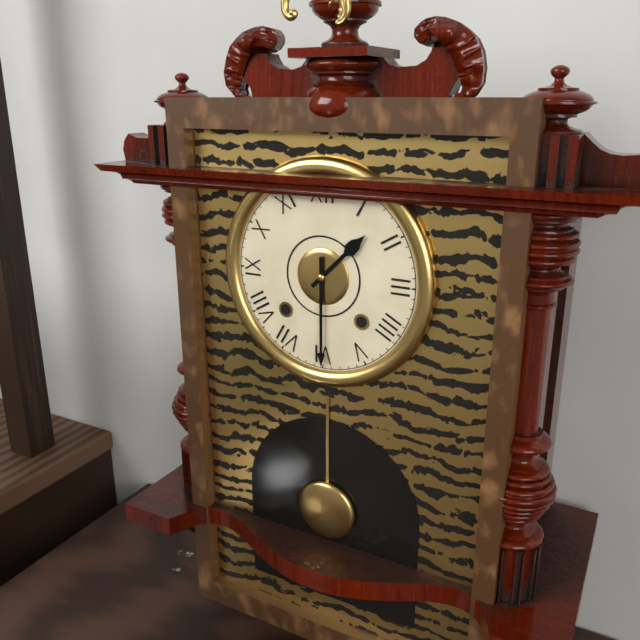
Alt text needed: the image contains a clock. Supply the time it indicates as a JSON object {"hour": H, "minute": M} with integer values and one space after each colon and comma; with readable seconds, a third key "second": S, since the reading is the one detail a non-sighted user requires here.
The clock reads {"hour": 1, "minute": 30}
